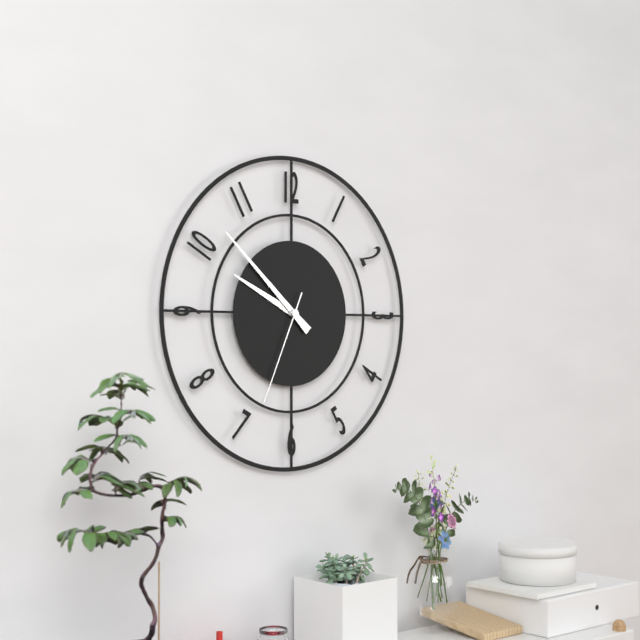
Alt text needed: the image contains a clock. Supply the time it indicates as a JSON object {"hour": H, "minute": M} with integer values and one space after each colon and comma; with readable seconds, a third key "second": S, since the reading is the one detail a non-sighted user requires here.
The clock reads {"hour": 9, "minute": 52, "second": 34}
